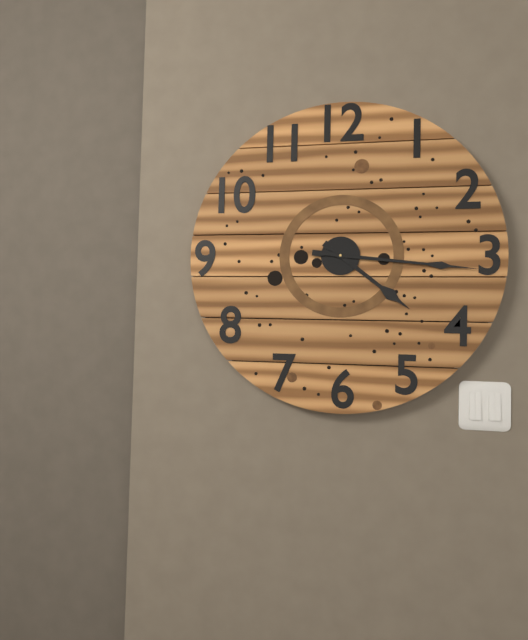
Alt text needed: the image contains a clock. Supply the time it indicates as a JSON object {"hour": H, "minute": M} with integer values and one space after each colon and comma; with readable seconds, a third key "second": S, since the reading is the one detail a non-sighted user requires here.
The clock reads {"hour": 4, "minute": 16}
